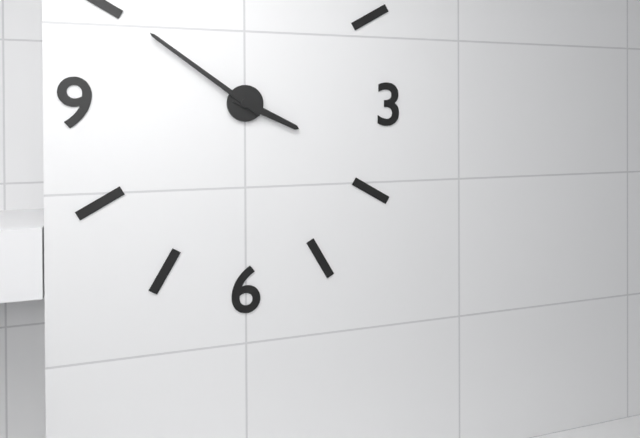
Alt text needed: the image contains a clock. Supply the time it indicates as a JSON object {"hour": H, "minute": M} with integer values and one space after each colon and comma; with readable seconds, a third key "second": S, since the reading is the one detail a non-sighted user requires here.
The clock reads {"hour": 3, "minute": 51}
